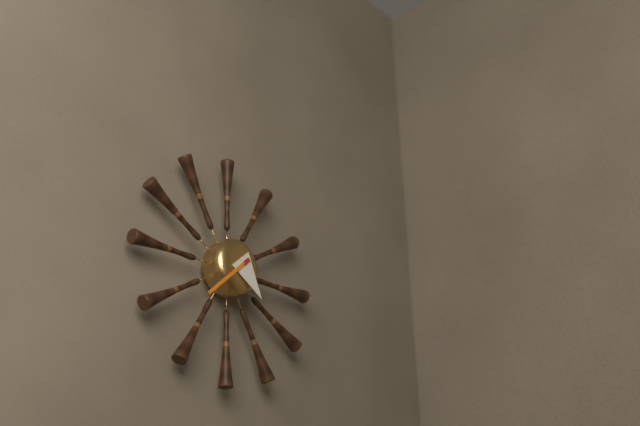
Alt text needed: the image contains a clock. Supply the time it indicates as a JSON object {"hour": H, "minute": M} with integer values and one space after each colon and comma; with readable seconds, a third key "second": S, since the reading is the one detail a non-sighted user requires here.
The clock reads {"hour": 4, "minute": 38}
